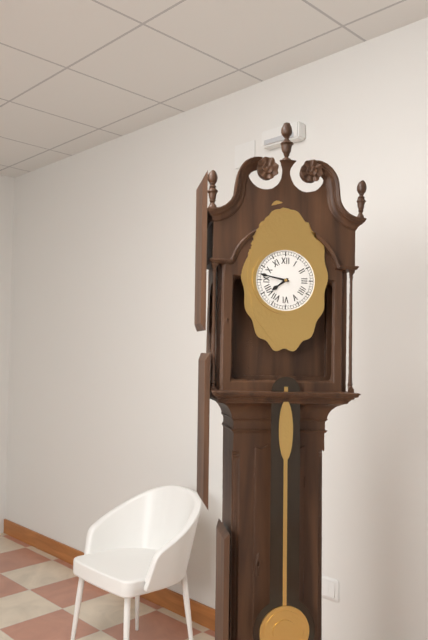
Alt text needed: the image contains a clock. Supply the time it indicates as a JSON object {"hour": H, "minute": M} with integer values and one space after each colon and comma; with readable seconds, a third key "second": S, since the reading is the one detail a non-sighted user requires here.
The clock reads {"hour": 7, "minute": 47}
